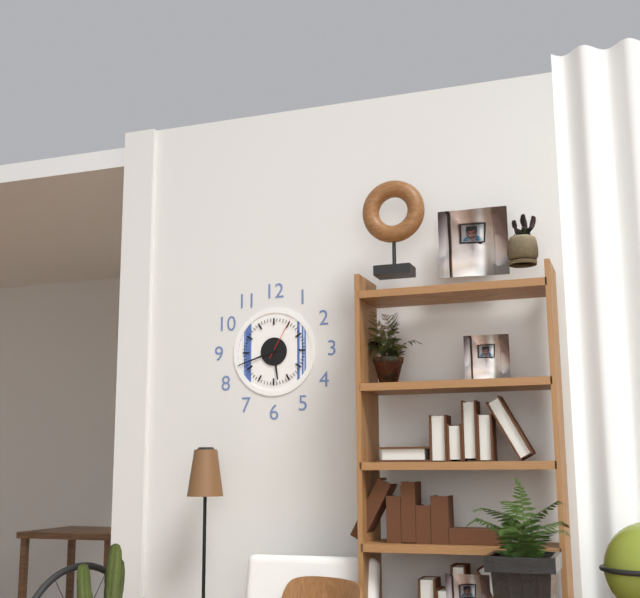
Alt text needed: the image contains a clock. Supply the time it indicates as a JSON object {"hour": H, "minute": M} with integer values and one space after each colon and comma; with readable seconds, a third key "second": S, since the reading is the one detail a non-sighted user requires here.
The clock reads {"hour": 5, "minute": 42}
